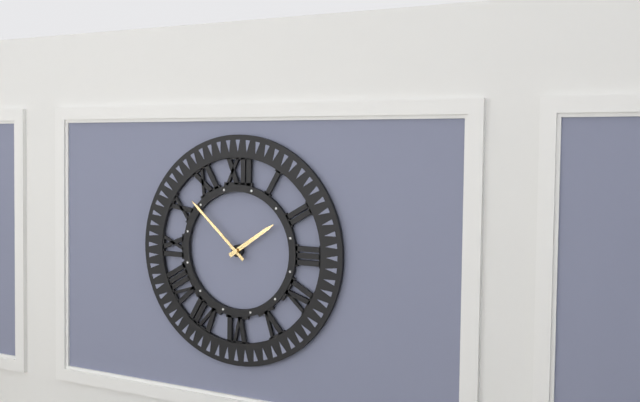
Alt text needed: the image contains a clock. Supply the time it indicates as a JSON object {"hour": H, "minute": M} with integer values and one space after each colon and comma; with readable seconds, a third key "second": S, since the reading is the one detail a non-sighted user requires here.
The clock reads {"hour": 1, "minute": 52}
